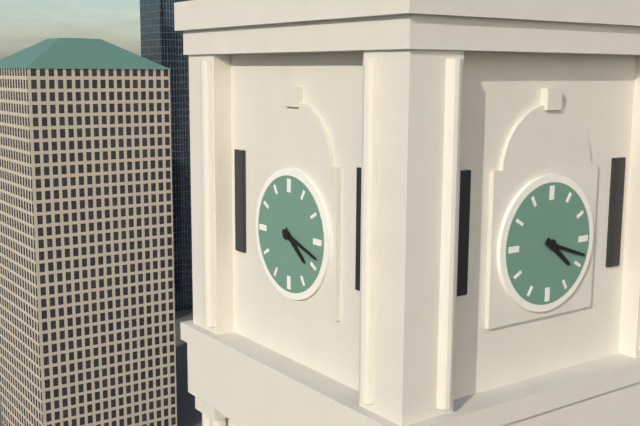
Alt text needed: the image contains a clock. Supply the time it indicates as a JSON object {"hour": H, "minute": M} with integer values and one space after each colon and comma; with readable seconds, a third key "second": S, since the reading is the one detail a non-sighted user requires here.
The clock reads {"hour": 4, "minute": 18}
